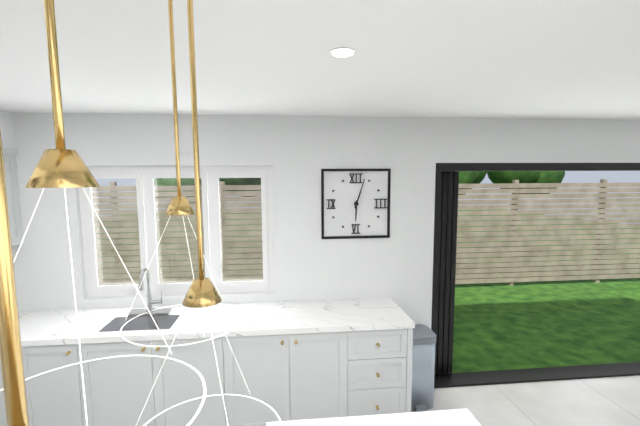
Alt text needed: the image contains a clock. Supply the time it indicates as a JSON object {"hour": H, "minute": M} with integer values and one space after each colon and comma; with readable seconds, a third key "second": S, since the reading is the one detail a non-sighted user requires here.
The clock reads {"hour": 6, "minute": 3}
